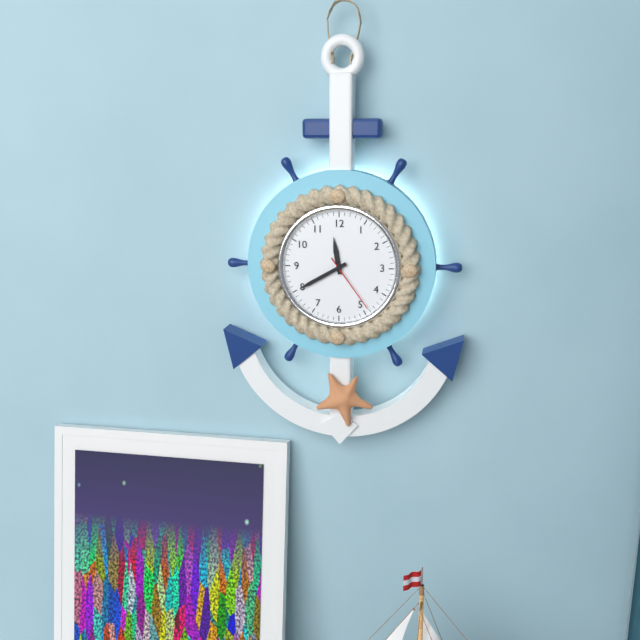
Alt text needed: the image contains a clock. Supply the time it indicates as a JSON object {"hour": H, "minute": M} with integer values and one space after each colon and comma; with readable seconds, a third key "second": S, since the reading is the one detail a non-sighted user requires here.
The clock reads {"hour": 11, "minute": 40, "second": 24}
